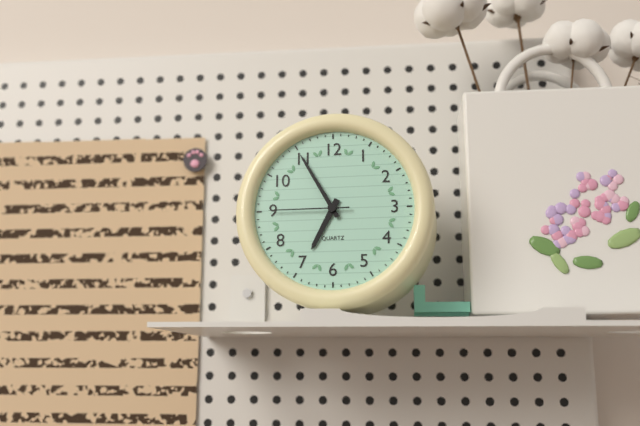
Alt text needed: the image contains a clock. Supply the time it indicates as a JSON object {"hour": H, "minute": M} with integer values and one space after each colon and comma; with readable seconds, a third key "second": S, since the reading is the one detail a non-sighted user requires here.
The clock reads {"hour": 6, "minute": 55, "second": 45}
